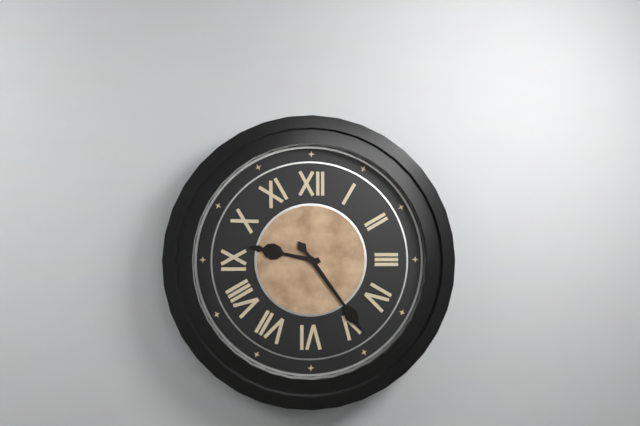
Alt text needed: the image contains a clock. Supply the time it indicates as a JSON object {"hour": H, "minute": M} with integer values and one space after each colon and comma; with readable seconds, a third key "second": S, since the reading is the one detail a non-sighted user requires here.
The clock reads {"hour": 9, "minute": 24}
